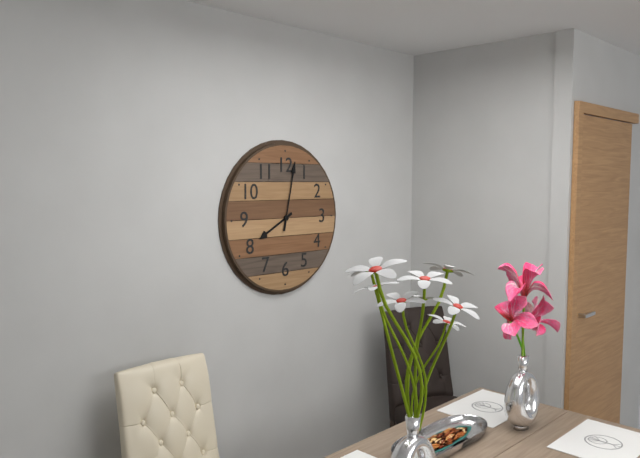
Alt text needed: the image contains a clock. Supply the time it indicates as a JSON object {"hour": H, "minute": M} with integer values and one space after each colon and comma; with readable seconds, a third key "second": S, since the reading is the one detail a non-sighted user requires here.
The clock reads {"hour": 8, "minute": 2}
